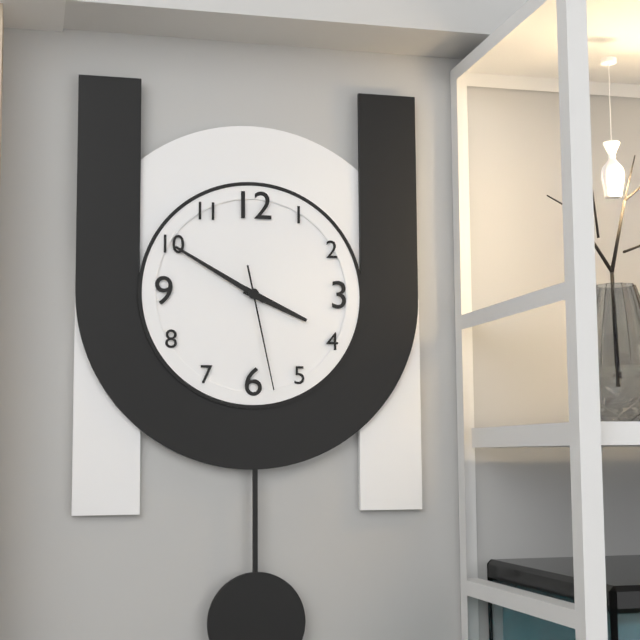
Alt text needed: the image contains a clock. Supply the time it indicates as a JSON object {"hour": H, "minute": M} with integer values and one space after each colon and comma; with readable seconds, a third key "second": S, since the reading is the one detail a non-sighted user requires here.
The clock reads {"hour": 3, "minute": 50, "second": 28}
